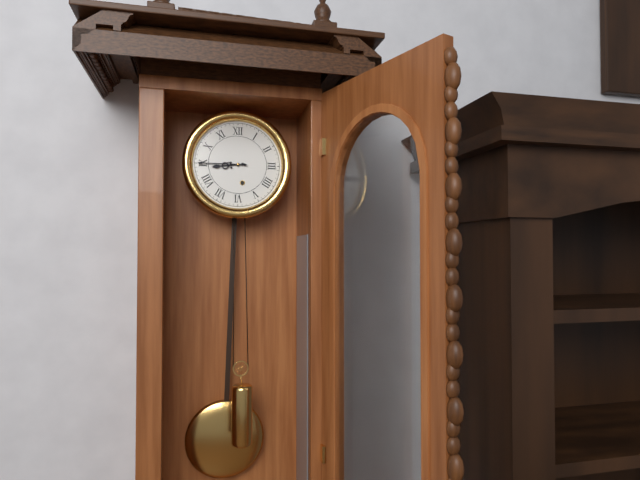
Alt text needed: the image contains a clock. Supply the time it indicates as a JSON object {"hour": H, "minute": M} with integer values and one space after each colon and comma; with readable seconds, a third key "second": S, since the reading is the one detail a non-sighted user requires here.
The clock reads {"hour": 8, "minute": 45}
